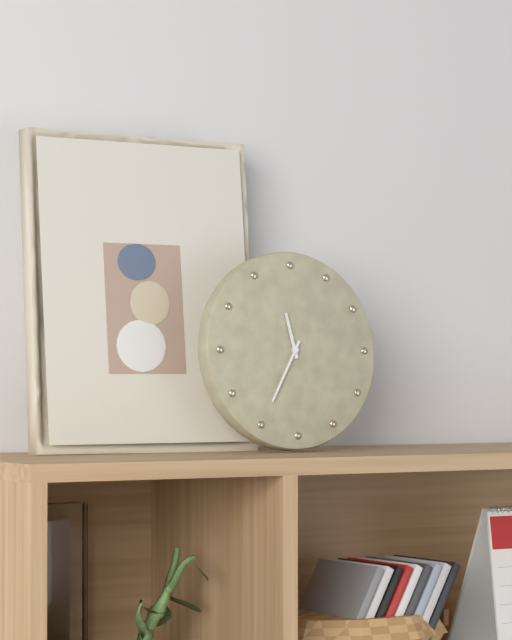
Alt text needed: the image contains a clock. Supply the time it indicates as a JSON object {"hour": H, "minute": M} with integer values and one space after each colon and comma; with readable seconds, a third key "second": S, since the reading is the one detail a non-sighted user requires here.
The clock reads {"hour": 11, "minute": 35}
